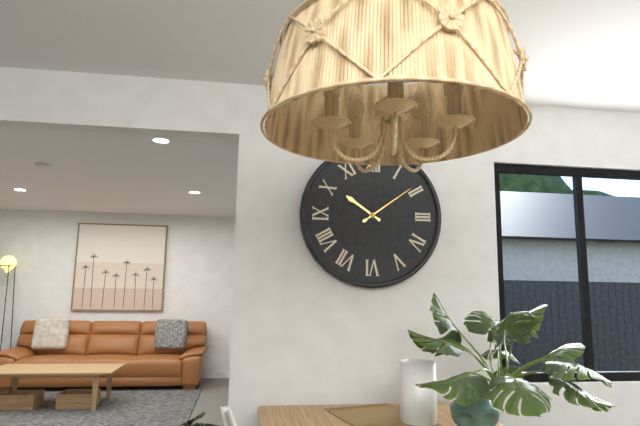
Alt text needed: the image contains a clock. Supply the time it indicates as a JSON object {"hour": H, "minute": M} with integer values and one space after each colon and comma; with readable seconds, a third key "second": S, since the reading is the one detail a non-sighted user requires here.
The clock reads {"hour": 10, "minute": 9}
